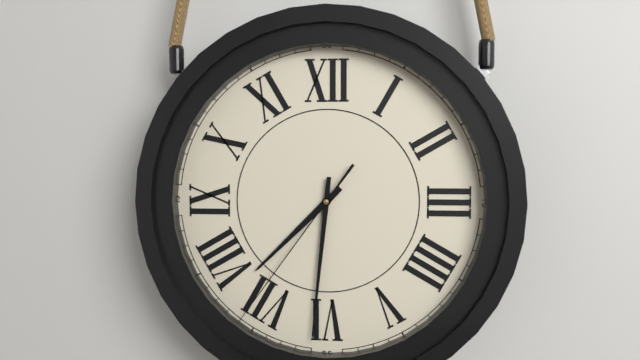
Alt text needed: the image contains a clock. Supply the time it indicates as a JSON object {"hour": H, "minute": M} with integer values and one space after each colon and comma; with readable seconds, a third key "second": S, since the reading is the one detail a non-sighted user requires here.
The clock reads {"hour": 7, "minute": 31, "second": 36}
